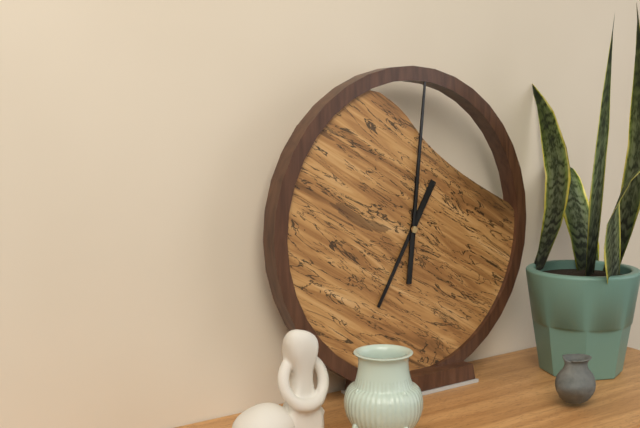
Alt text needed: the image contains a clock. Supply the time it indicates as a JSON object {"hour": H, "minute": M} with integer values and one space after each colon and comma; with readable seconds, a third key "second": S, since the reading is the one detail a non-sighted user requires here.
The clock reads {"hour": 7, "minute": 1}
